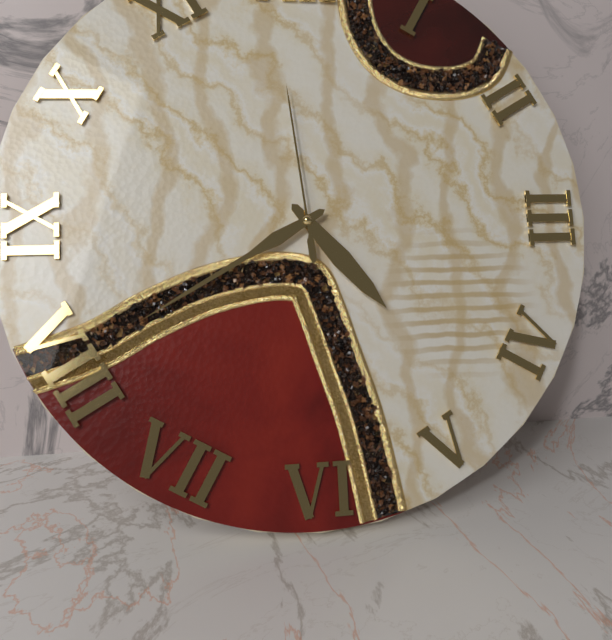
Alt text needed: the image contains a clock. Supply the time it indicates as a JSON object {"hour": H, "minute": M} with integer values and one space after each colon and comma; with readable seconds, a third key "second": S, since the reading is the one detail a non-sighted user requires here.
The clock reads {"hour": 4, "minute": 40, "second": 59}
